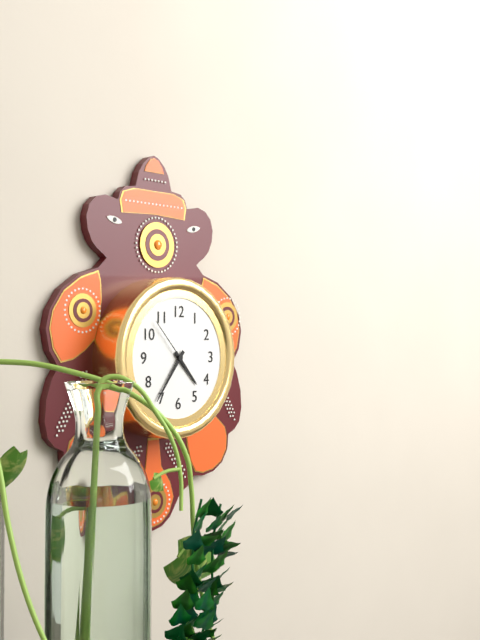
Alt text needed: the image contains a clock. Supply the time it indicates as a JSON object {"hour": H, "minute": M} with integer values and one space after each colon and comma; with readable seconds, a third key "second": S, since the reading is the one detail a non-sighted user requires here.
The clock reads {"hour": 4, "minute": 36, "second": 53}
